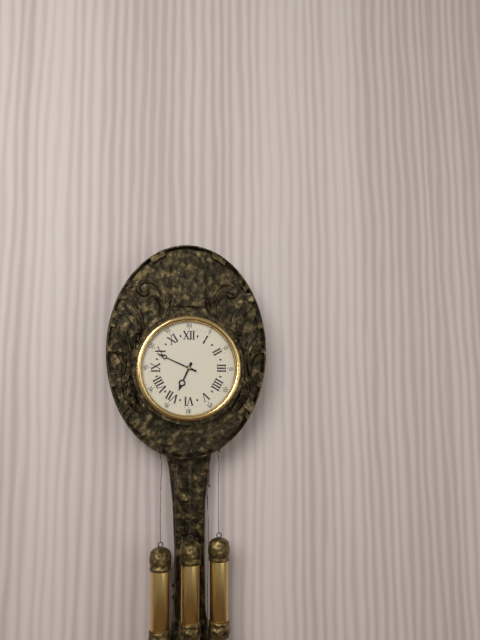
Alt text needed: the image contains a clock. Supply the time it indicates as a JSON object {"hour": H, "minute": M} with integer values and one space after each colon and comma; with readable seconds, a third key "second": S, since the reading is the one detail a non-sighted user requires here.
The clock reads {"hour": 6, "minute": 49}
